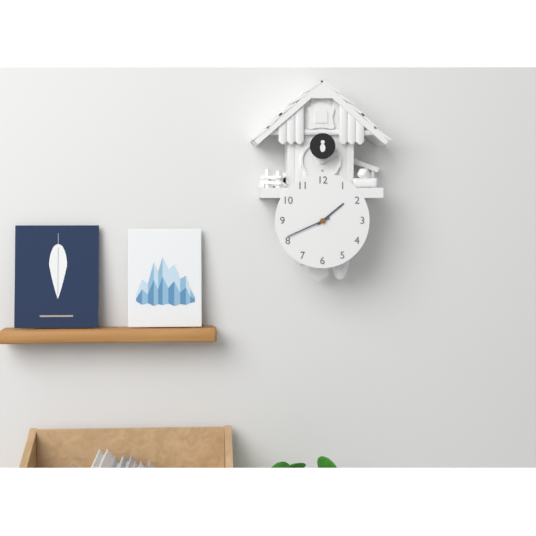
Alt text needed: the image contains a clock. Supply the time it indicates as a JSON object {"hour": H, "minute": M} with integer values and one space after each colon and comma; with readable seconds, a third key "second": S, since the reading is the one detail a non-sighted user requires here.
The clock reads {"hour": 1, "minute": 41}
